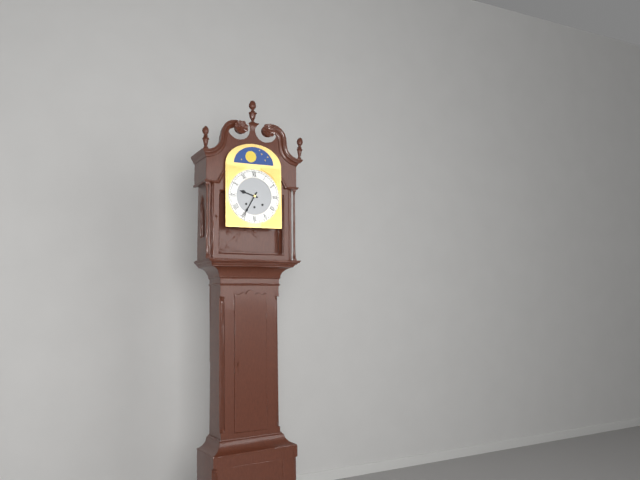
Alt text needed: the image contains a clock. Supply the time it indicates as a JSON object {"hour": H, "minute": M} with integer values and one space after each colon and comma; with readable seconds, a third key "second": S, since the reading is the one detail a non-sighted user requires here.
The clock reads {"hour": 9, "minute": 35}
